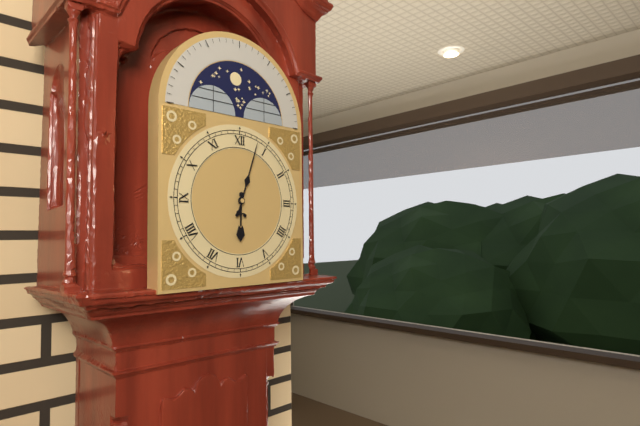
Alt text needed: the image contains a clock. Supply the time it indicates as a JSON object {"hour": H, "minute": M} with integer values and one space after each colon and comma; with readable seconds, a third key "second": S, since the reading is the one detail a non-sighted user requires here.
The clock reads {"hour": 6, "minute": 3}
